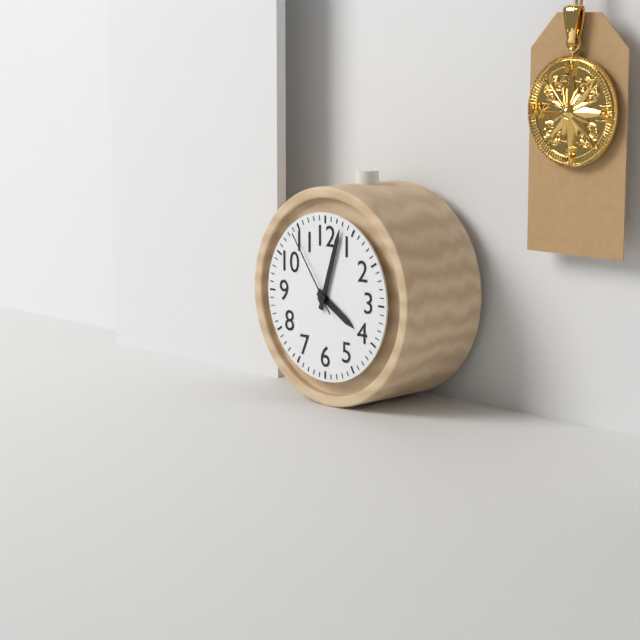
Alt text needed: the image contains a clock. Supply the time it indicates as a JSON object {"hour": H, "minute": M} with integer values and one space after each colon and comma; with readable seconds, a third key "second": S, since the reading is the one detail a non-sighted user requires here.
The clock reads {"hour": 4, "minute": 3, "second": 54}
